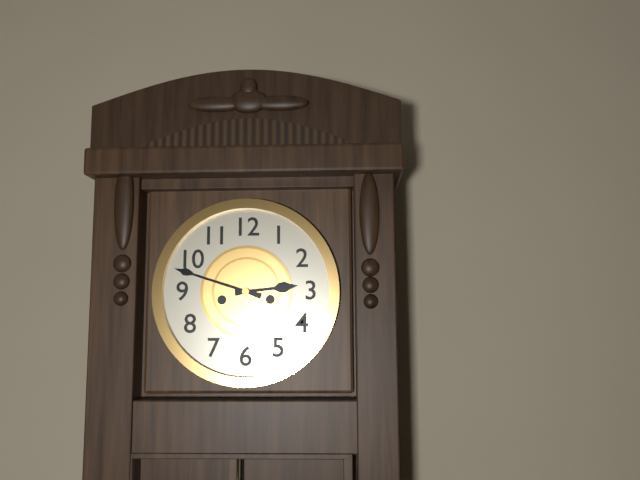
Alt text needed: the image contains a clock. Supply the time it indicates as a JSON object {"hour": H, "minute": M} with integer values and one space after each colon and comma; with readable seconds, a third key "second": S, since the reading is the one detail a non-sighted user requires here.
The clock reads {"hour": 2, "minute": 48}
